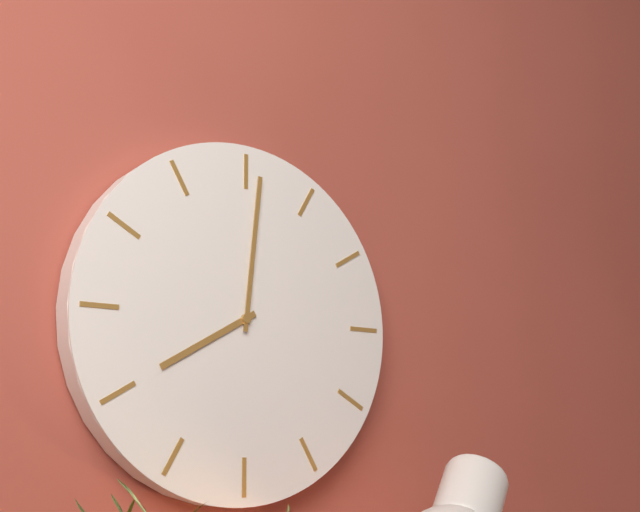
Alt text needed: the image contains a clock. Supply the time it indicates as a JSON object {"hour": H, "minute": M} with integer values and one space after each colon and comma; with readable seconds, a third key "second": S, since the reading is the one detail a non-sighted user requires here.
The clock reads {"hour": 8, "minute": 1}
